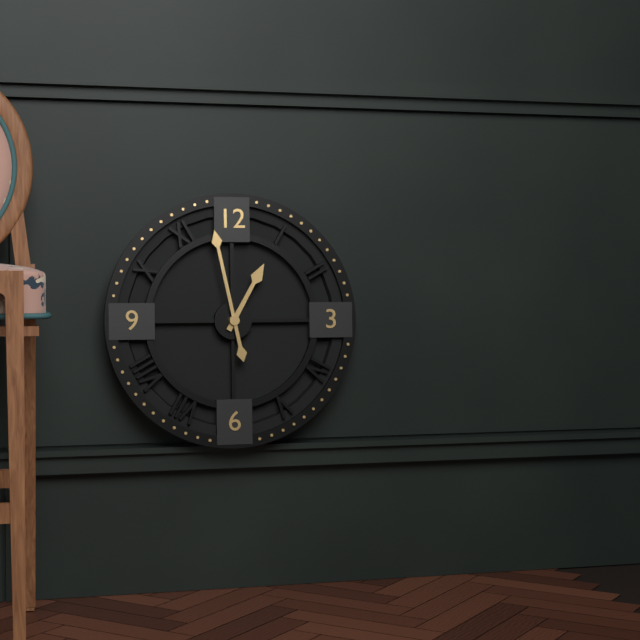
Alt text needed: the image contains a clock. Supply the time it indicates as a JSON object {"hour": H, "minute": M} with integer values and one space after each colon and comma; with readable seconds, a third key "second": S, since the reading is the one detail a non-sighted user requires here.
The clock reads {"hour": 12, "minute": 58}
